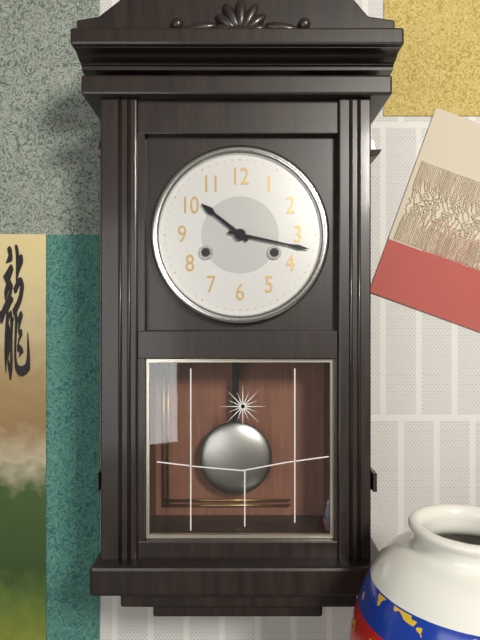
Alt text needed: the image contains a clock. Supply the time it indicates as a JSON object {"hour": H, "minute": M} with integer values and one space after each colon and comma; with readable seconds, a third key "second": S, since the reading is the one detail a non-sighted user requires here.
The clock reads {"hour": 10, "minute": 17}
